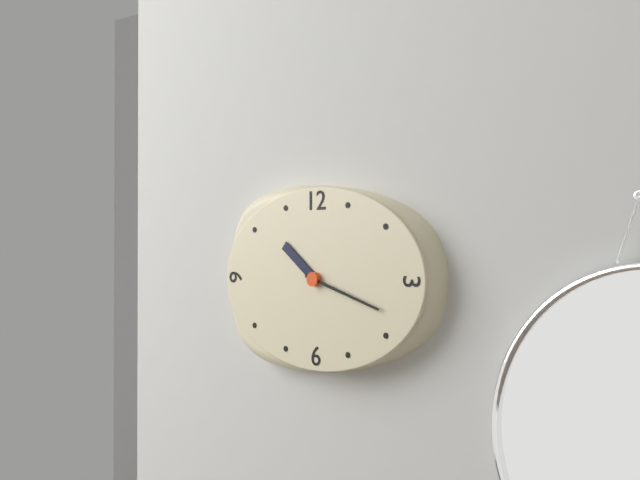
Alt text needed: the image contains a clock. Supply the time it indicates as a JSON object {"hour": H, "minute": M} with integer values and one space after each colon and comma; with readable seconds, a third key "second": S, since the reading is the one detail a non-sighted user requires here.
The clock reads {"hour": 10, "minute": 18}
